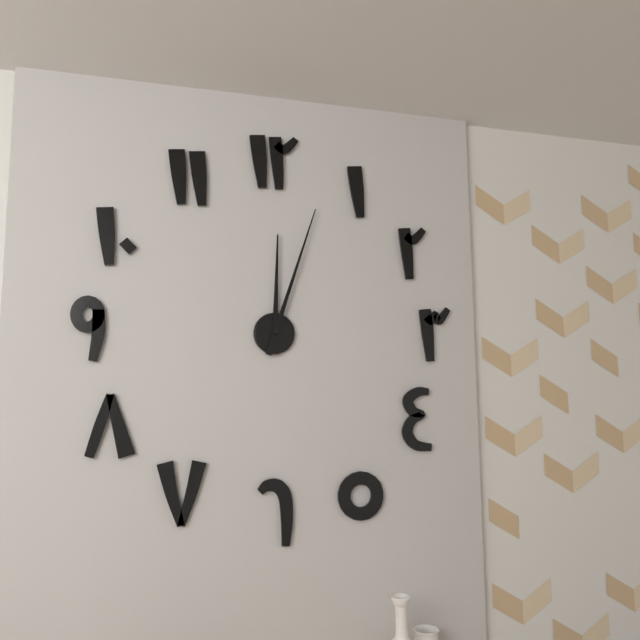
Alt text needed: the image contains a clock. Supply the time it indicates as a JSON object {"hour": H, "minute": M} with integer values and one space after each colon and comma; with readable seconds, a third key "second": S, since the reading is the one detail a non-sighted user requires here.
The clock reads {"hour": 12, "minute": 3}
